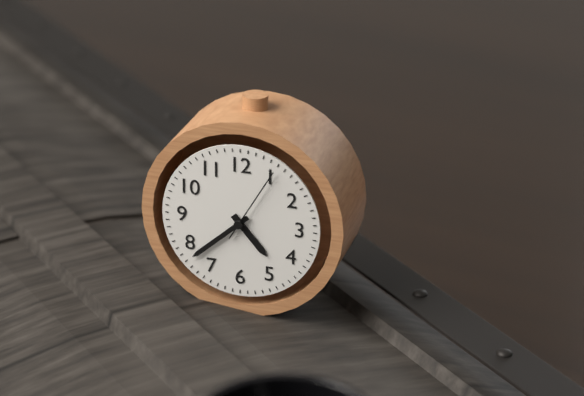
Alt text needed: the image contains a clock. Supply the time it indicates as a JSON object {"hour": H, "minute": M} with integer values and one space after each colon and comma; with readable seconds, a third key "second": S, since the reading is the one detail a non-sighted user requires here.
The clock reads {"hour": 4, "minute": 38, "second": 5}
